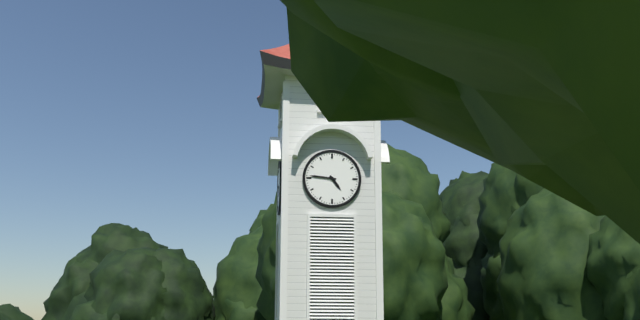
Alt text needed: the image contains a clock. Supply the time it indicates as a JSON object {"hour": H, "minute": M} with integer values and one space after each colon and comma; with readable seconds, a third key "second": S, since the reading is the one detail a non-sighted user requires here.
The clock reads {"hour": 4, "minute": 46}
